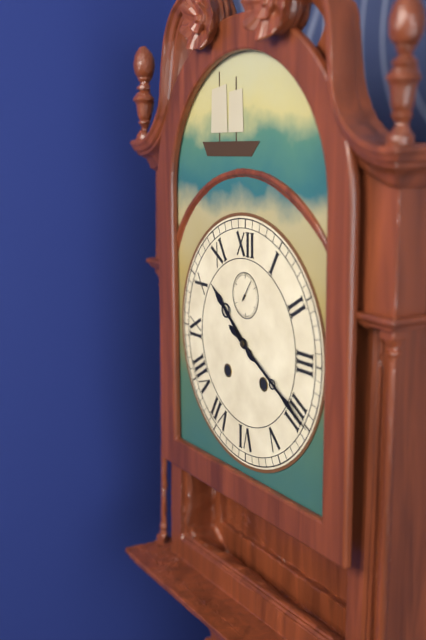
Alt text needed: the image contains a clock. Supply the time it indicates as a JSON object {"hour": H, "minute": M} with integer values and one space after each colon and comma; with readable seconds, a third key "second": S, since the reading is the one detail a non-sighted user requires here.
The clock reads {"hour": 10, "minute": 20}
